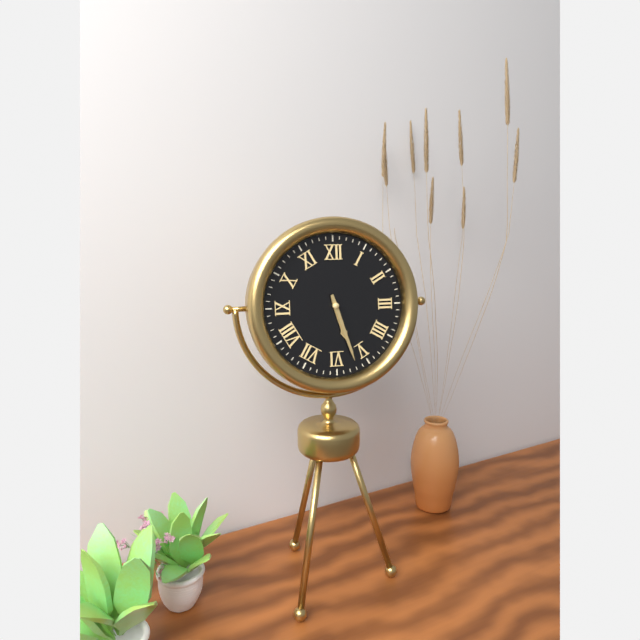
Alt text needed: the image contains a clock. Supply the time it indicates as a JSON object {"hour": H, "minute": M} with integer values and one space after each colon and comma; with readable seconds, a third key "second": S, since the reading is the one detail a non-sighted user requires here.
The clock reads {"hour": 5, "minute": 27}
